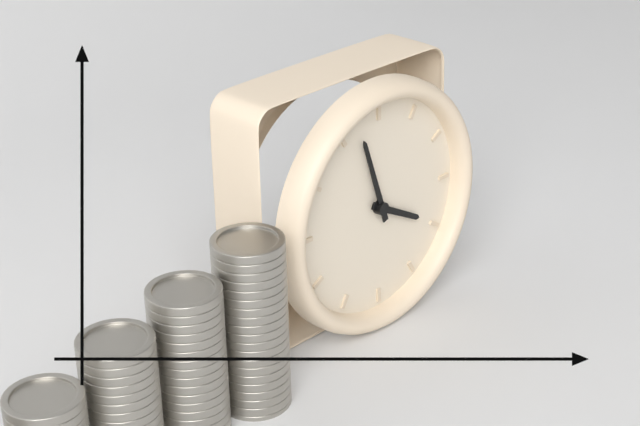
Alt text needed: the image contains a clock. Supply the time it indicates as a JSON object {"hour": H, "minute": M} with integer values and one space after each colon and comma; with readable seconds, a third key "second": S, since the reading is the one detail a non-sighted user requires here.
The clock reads {"hour": 3, "minute": 57}
